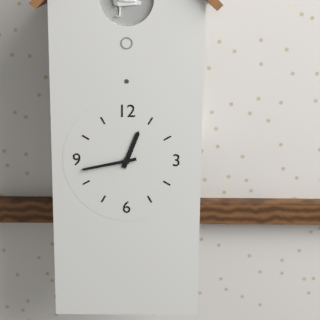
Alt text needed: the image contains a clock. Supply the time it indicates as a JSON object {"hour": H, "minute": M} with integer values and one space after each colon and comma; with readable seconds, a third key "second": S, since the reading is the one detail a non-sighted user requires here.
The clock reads {"hour": 12, "minute": 43}
